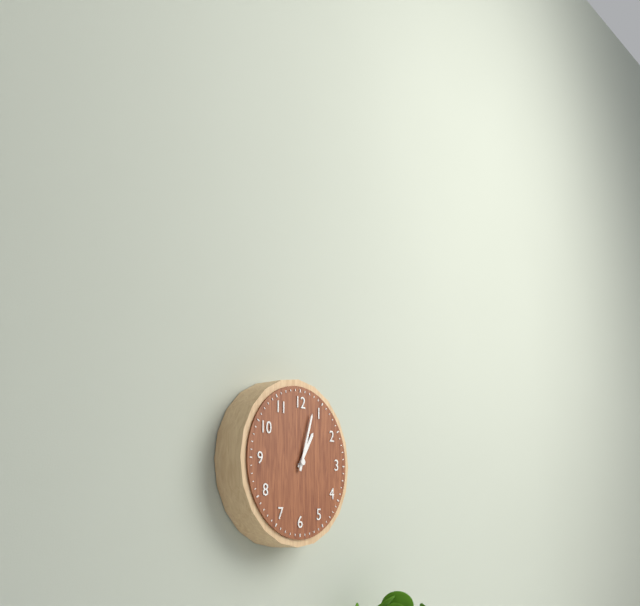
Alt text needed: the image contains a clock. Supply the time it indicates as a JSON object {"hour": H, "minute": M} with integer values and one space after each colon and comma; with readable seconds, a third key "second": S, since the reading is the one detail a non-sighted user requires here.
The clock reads {"hour": 1, "minute": 3}
